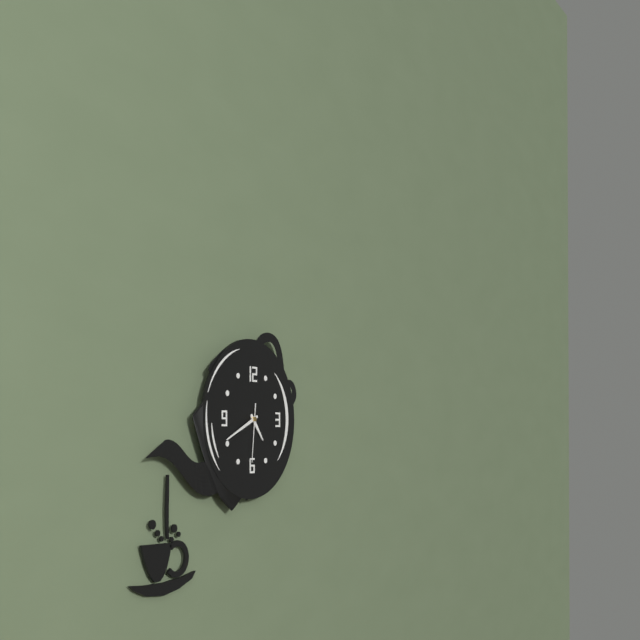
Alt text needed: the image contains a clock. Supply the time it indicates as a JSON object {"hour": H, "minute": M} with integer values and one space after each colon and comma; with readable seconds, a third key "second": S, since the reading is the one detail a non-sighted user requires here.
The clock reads {"hour": 4, "minute": 41, "second": 31}
